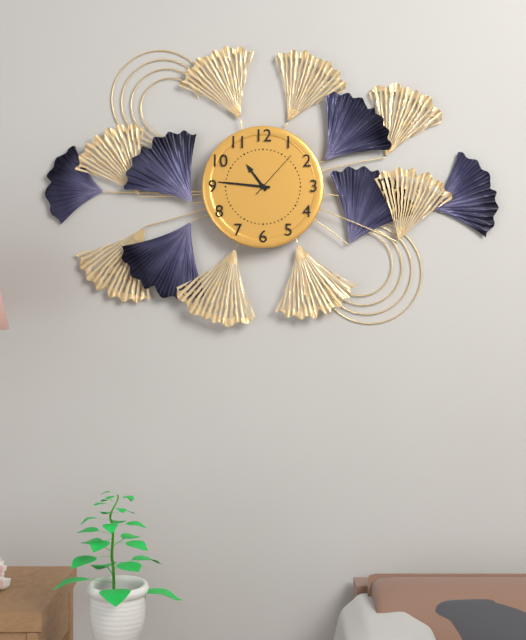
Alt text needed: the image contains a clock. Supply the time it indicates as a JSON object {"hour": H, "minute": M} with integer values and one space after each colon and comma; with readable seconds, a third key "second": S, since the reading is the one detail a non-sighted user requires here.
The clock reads {"hour": 10, "minute": 46, "second": 7}
